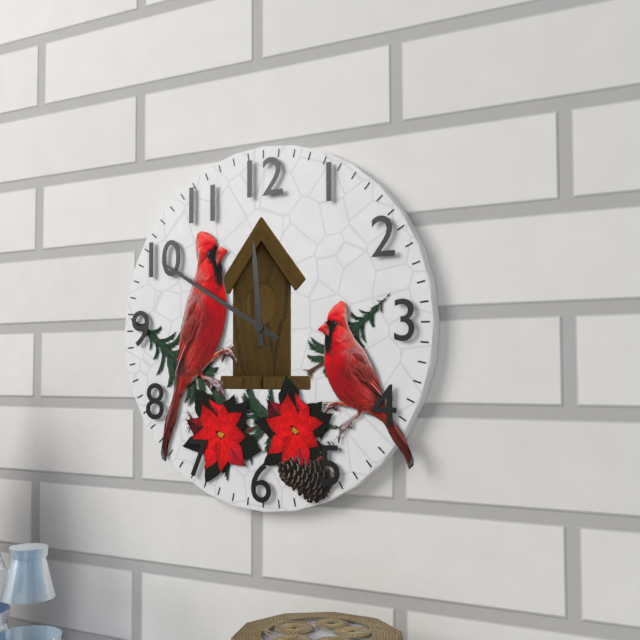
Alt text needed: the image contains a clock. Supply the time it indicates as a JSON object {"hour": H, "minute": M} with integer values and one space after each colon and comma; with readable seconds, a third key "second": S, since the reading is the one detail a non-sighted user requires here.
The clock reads {"hour": 11, "minute": 50}
